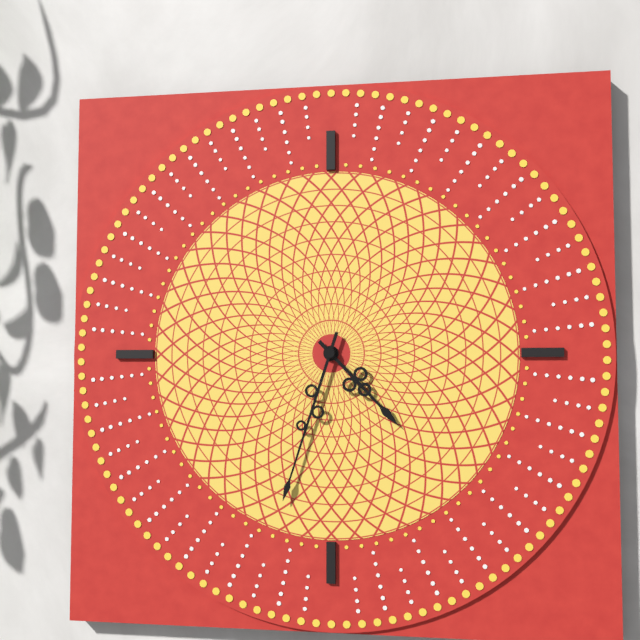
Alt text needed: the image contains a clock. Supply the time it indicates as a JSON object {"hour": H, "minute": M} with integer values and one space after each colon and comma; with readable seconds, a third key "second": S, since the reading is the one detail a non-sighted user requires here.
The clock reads {"hour": 4, "minute": 33}
